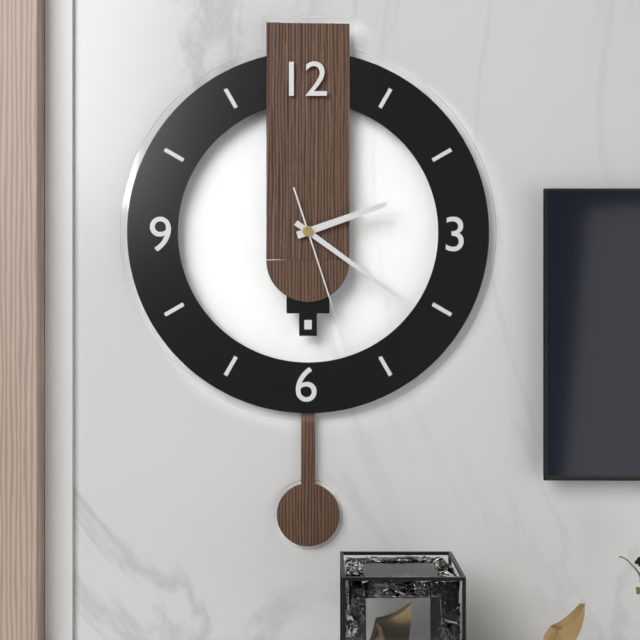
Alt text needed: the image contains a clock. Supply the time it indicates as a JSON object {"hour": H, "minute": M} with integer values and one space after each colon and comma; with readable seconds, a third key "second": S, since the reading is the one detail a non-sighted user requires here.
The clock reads {"hour": 2, "minute": 21, "second": 27}
